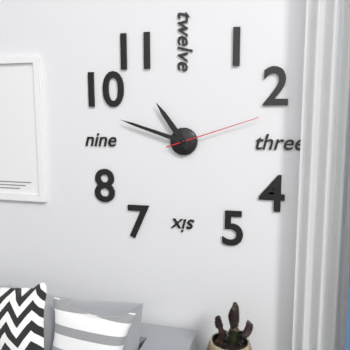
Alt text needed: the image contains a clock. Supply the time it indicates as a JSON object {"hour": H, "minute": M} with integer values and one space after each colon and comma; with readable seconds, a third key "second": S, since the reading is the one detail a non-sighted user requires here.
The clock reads {"hour": 10, "minute": 48, "second": 12}
